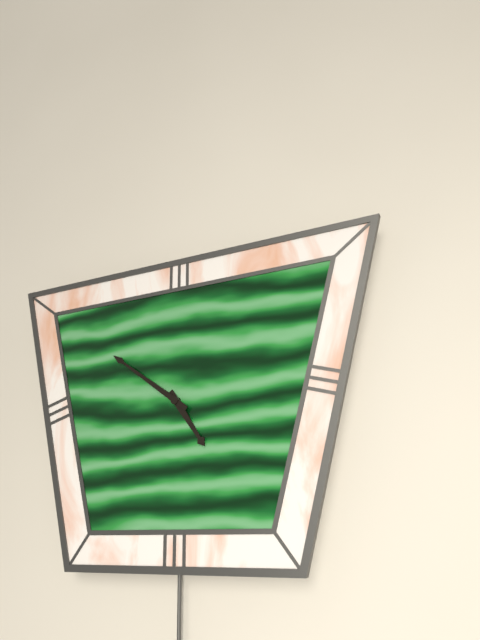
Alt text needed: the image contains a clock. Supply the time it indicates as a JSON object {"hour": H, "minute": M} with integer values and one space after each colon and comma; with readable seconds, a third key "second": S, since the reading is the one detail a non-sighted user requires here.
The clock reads {"hour": 4, "minute": 51}
